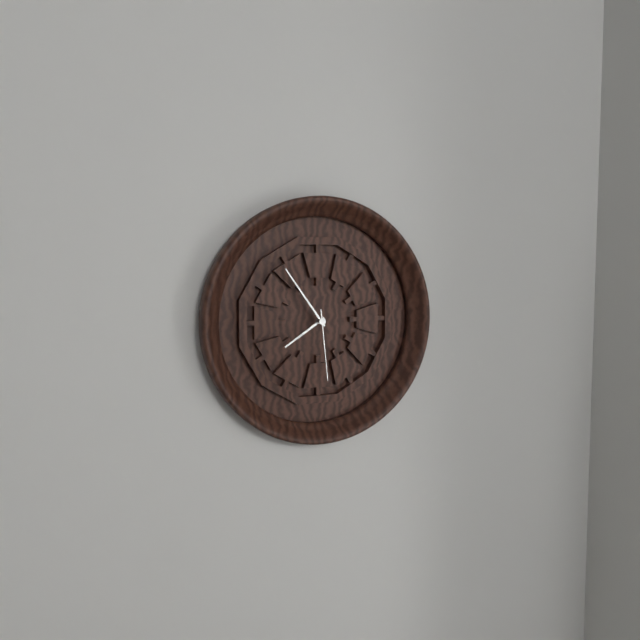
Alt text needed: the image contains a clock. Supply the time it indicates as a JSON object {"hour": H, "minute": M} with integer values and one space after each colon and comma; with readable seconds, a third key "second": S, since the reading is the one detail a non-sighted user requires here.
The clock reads {"hour": 7, "minute": 54, "second": 29}
